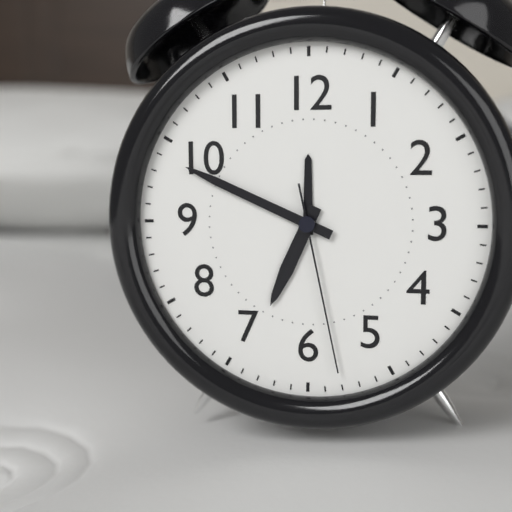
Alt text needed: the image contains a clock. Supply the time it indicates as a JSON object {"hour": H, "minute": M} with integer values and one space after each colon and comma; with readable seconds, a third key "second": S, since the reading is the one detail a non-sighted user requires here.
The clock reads {"hour": 6, "minute": 49, "second": 28}
